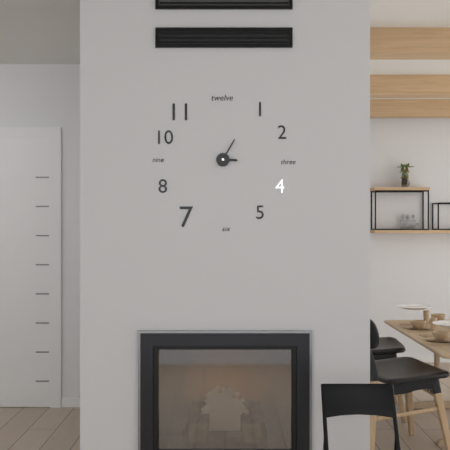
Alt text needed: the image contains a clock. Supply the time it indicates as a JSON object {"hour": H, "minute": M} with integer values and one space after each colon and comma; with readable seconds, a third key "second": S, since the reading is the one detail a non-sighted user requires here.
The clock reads {"hour": 3, "minute": 5}
